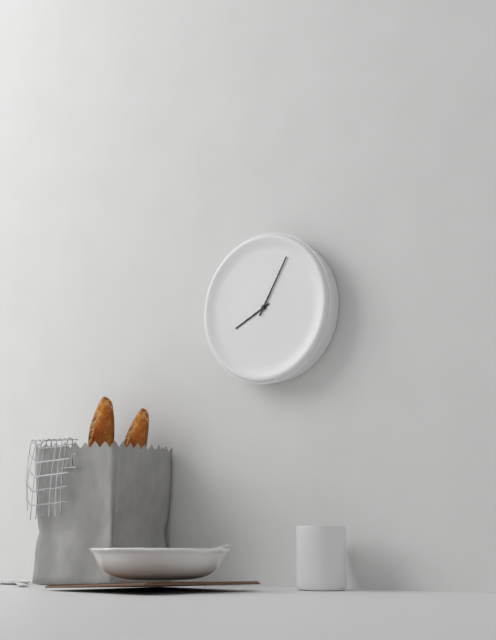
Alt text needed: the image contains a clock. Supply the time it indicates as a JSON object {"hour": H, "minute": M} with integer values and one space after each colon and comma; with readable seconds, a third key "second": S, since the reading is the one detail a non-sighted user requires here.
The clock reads {"hour": 8, "minute": 5}
